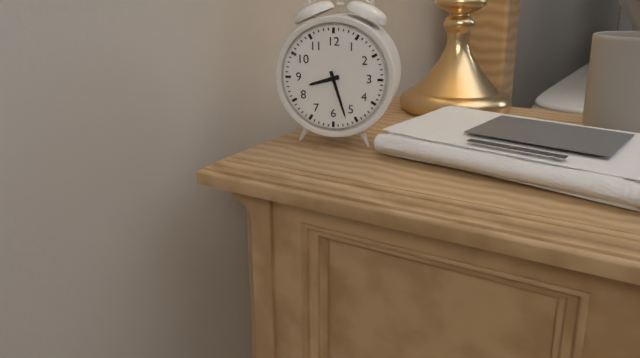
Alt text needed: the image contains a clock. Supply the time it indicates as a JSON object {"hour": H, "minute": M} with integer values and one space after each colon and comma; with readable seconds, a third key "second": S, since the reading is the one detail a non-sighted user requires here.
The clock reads {"hour": 8, "minute": 27}
